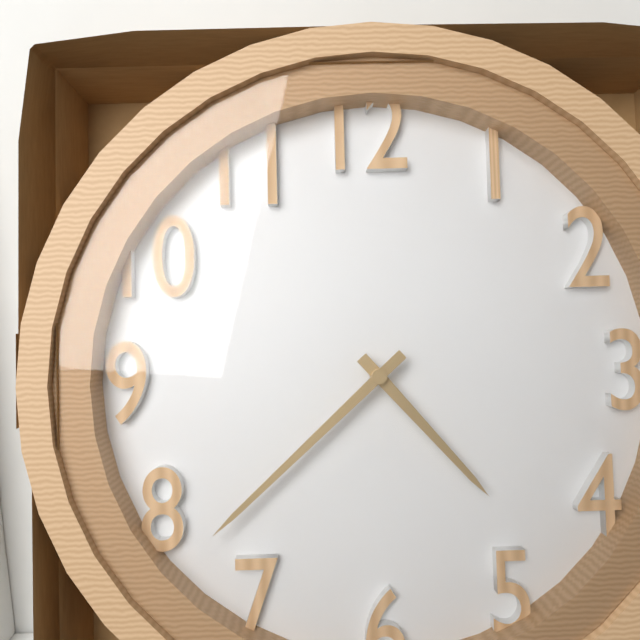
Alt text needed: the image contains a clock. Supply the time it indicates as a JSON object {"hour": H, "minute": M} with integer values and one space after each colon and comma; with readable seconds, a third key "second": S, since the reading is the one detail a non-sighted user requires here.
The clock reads {"hour": 4, "minute": 38}
